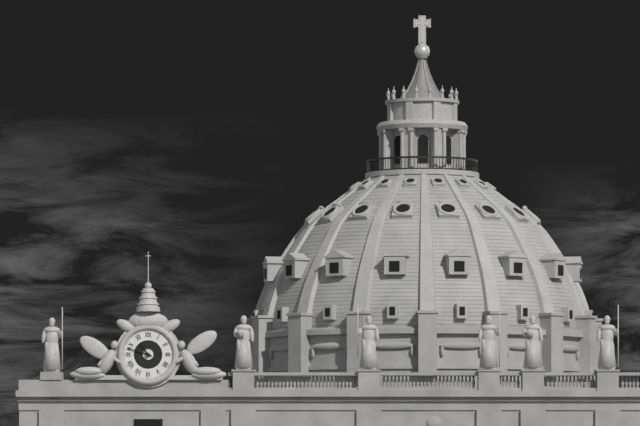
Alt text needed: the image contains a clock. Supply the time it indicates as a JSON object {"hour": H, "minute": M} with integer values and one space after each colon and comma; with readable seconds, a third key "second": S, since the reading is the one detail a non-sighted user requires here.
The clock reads {"hour": 10, "minute": 48}
